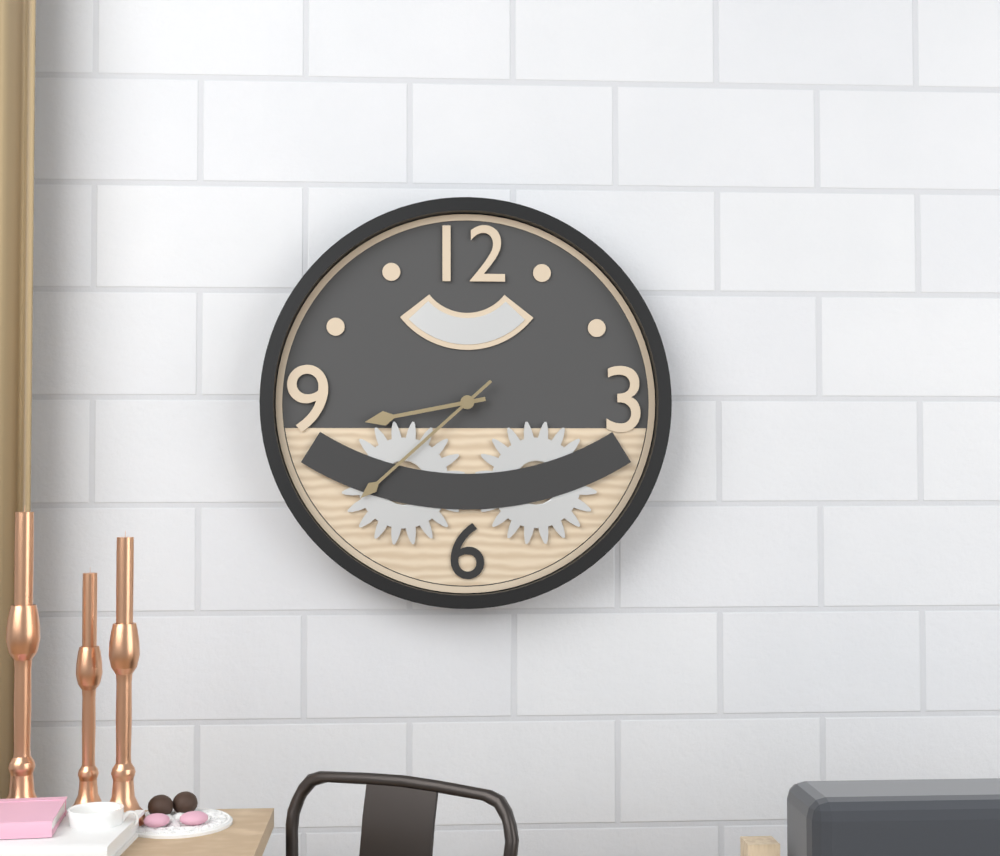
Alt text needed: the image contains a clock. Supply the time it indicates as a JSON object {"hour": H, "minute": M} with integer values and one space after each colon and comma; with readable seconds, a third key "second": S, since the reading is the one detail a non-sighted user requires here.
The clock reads {"hour": 8, "minute": 38}
